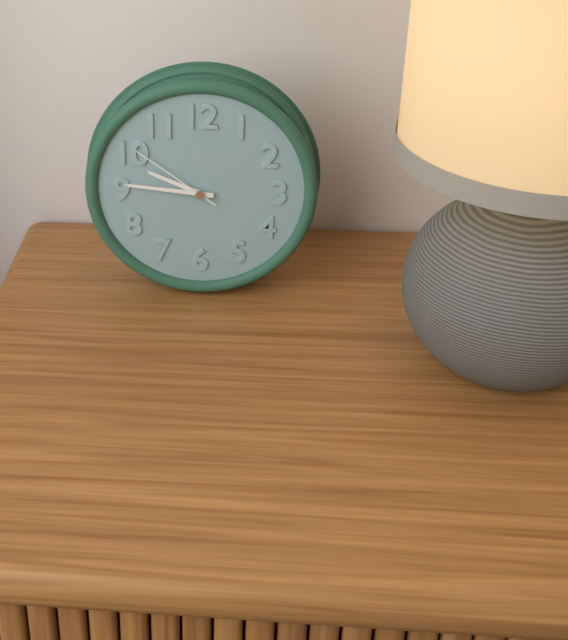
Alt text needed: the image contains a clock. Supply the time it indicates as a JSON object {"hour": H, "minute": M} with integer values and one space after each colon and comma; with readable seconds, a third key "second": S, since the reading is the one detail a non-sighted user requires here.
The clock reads {"hour": 9, "minute": 46, "second": 51}
